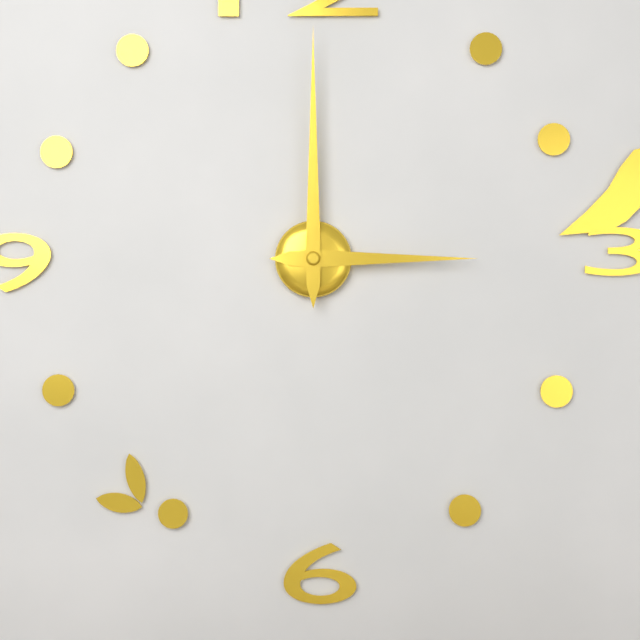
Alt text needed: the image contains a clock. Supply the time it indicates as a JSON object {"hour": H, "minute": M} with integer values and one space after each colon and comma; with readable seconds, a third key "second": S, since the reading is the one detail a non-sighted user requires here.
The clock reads {"hour": 3, "minute": 0}
